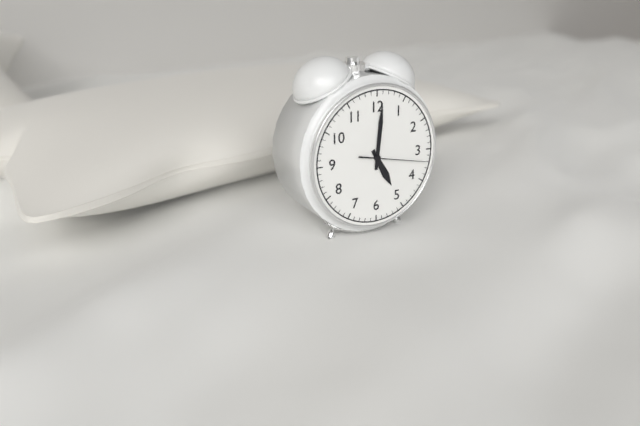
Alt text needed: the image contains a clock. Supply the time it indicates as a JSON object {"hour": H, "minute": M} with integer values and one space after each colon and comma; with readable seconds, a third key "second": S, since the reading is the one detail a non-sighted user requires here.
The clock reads {"hour": 5, "minute": 1, "second": 17}
